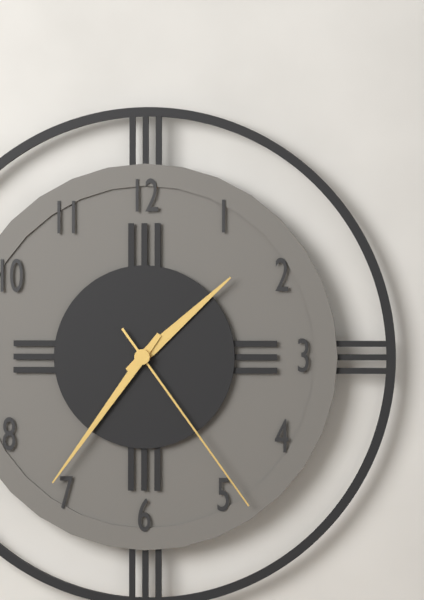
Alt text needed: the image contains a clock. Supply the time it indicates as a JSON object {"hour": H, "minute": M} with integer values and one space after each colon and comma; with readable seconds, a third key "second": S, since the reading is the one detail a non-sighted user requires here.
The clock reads {"hour": 1, "minute": 36, "second": 24}
